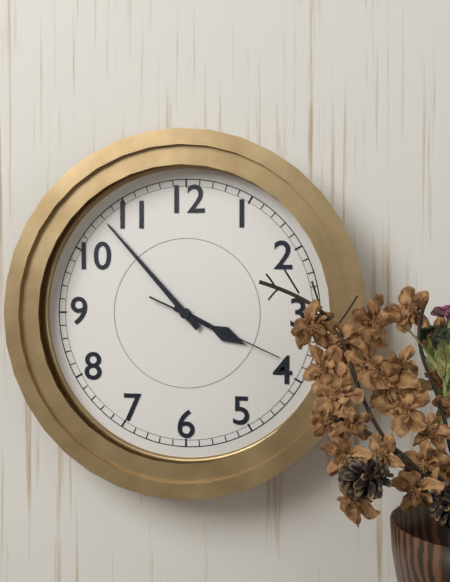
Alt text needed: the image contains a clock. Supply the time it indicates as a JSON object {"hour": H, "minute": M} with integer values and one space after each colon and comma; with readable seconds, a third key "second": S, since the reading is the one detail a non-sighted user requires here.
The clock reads {"hour": 3, "minute": 53, "second": 19}
